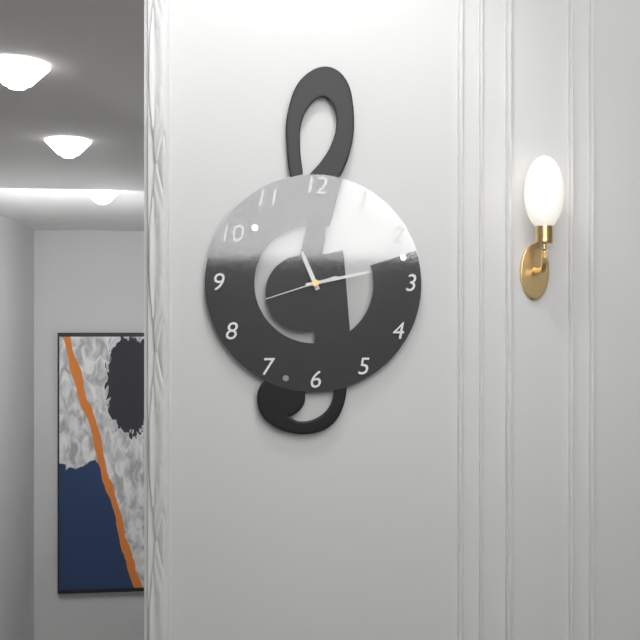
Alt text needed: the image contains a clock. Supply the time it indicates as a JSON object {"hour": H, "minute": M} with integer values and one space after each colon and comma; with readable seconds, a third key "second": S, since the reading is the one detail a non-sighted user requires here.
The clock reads {"hour": 11, "minute": 13, "second": 42}
